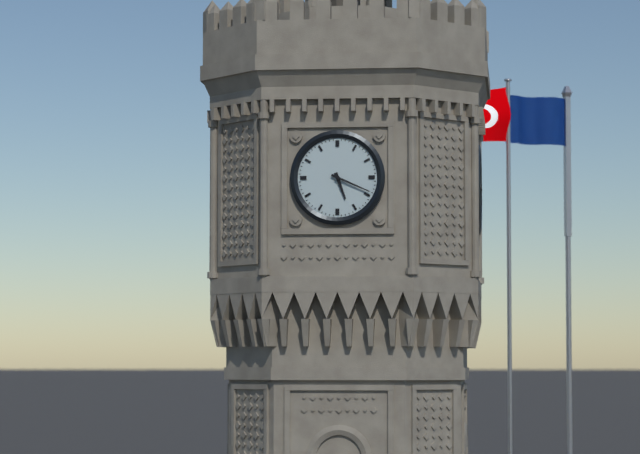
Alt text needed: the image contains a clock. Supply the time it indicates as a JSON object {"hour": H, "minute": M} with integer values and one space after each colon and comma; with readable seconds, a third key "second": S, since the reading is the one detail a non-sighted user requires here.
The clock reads {"hour": 5, "minute": 19}
